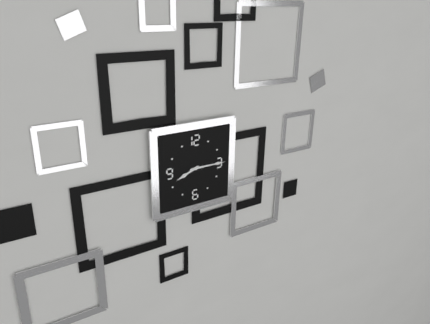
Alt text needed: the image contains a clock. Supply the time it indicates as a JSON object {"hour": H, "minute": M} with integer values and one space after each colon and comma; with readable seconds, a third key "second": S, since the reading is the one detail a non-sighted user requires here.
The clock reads {"hour": 8, "minute": 15}
